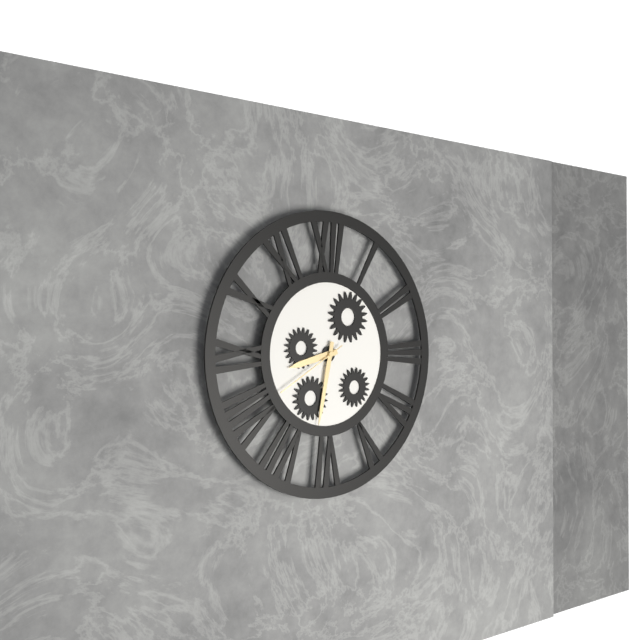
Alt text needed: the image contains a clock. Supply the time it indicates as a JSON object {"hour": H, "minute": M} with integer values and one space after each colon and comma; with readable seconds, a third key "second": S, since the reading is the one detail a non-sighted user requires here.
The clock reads {"hour": 8, "minute": 32, "second": 40}
